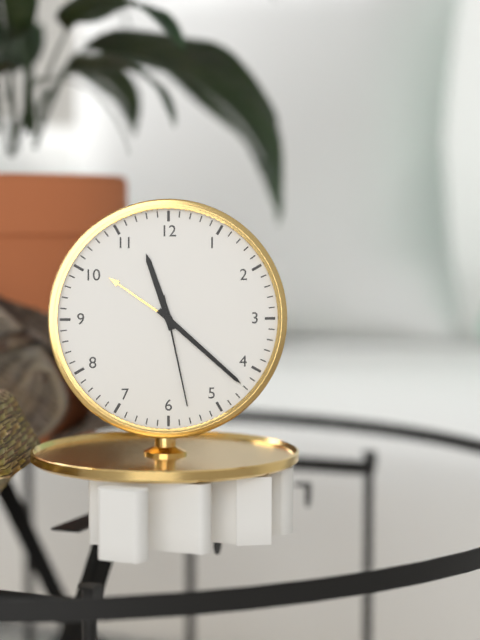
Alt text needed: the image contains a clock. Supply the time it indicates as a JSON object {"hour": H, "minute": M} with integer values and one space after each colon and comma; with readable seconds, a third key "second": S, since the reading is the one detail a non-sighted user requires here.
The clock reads {"hour": 11, "minute": 22, "second": 28}
